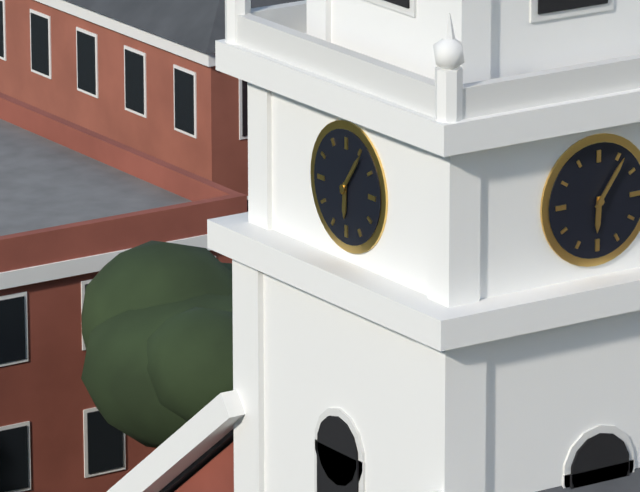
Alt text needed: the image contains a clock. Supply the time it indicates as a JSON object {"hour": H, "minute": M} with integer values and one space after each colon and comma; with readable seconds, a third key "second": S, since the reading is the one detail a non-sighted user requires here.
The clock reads {"hour": 6, "minute": 6}
